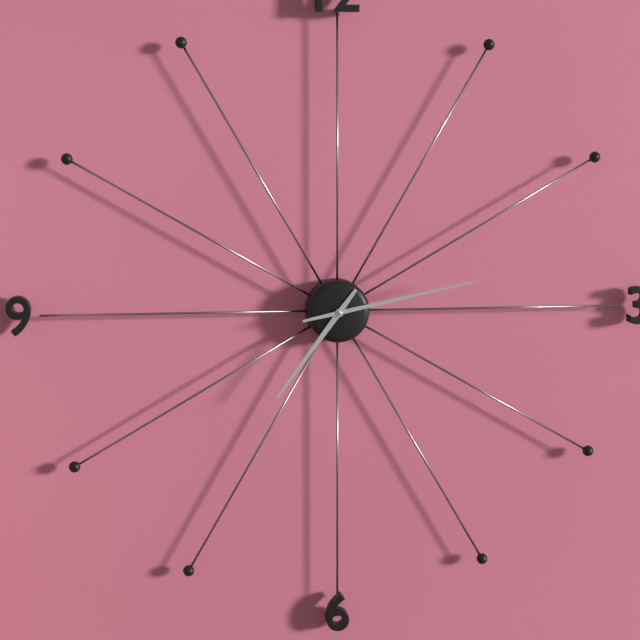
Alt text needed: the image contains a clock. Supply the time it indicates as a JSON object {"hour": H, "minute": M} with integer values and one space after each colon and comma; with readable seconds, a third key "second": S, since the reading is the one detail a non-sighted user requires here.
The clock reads {"hour": 7, "minute": 13}
